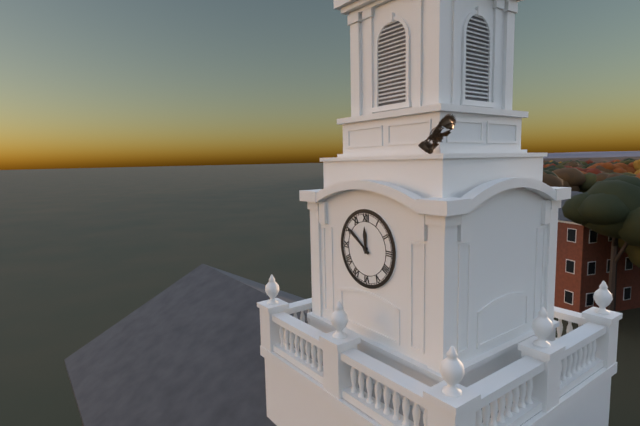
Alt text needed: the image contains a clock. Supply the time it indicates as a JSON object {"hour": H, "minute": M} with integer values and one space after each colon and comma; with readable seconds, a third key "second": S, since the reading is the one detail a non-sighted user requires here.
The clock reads {"hour": 11, "minute": 51}
